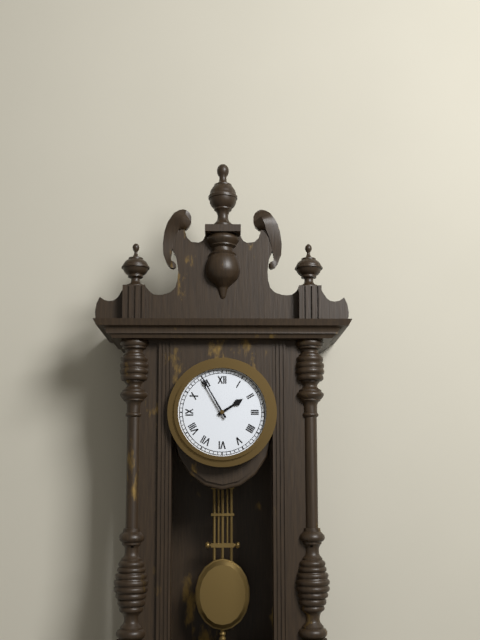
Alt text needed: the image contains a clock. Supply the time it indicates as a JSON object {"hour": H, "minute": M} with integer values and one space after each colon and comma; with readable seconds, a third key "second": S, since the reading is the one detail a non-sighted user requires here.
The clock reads {"hour": 1, "minute": 55}
